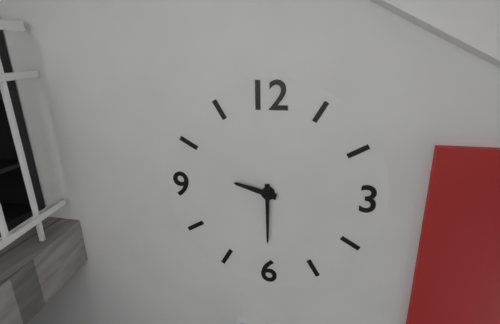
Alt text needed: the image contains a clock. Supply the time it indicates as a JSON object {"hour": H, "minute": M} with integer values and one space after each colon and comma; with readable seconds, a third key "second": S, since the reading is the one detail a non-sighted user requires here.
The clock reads {"hour": 9, "minute": 30}
